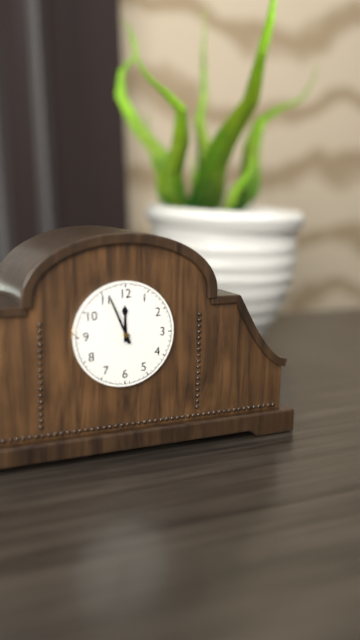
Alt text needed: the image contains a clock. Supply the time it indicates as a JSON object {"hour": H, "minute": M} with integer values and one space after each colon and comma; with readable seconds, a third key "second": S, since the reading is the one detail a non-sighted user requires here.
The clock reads {"hour": 11, "minute": 56}
